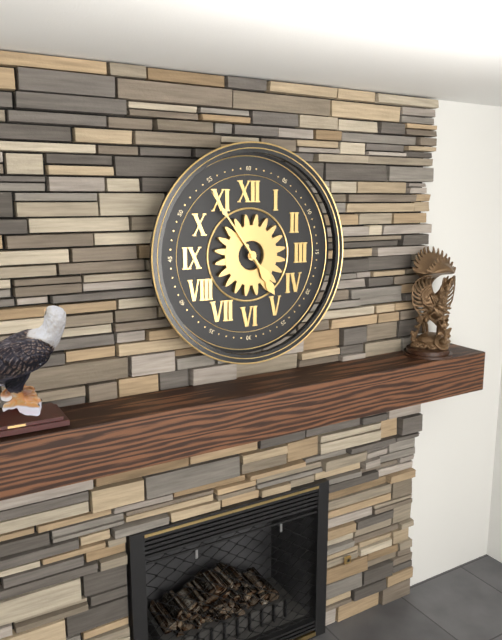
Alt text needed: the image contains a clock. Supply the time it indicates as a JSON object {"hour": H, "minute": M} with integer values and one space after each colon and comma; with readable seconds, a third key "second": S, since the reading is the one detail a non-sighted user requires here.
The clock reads {"hour": 4, "minute": 54}
